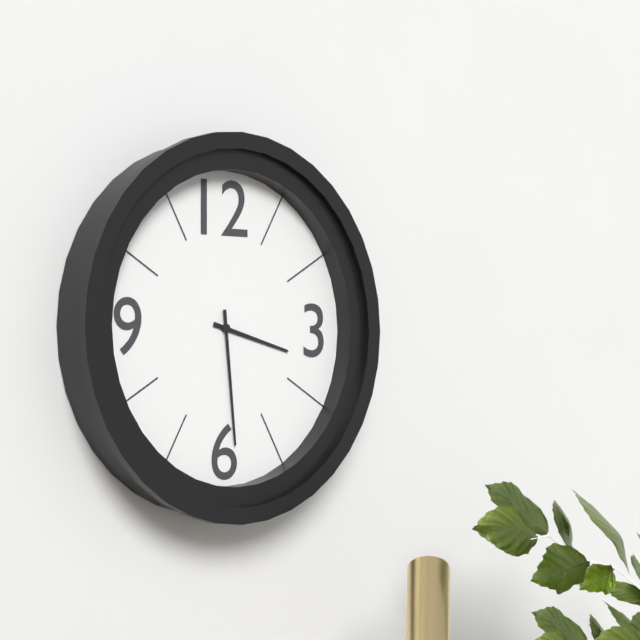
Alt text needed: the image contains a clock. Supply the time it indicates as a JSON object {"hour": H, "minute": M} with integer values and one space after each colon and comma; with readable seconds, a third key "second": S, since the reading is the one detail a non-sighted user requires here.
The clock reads {"hour": 3, "minute": 29}
